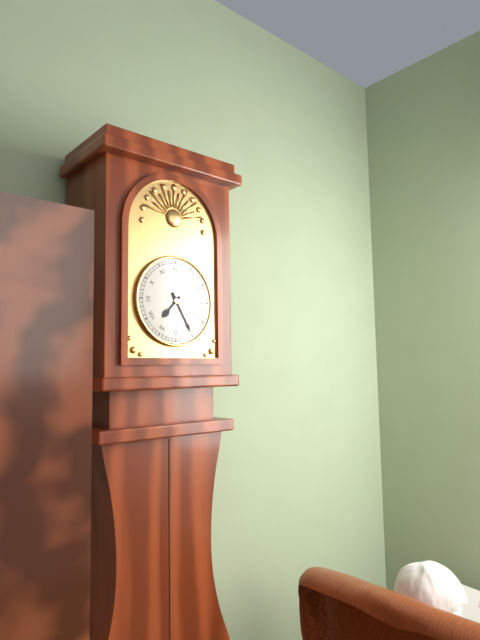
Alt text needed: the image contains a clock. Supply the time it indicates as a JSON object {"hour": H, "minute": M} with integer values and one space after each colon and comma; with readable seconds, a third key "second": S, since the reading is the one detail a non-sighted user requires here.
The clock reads {"hour": 7, "minute": 25}
